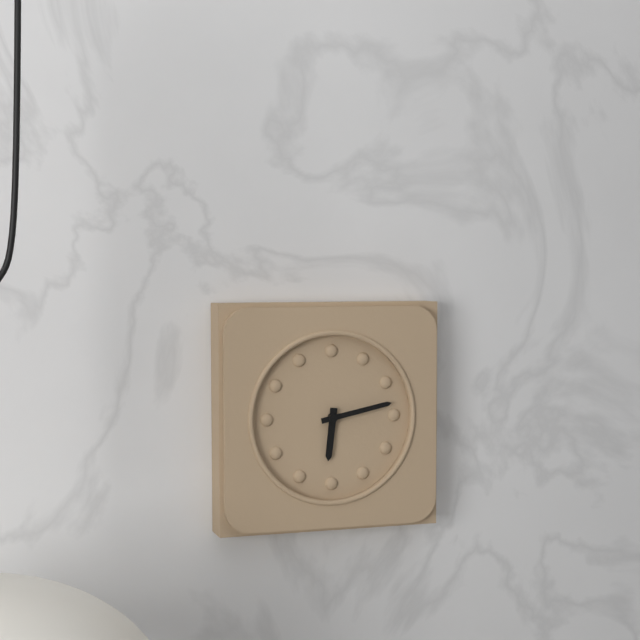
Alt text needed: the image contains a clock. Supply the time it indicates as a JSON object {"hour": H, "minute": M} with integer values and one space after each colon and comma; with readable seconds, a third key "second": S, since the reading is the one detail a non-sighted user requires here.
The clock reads {"hour": 6, "minute": 13}
